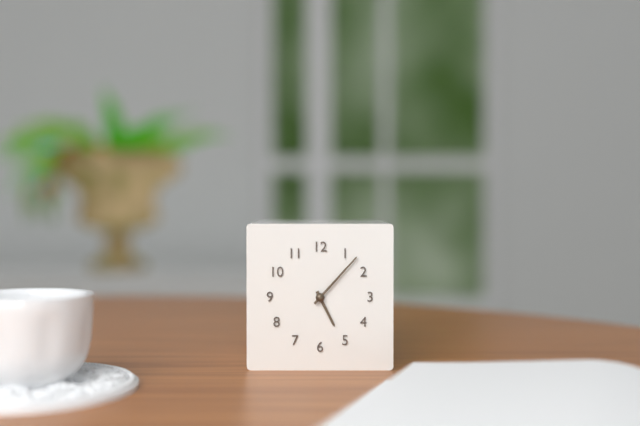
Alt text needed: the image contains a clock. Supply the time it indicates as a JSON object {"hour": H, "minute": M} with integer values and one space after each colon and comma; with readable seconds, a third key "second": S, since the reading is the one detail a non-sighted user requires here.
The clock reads {"hour": 5, "minute": 7}
